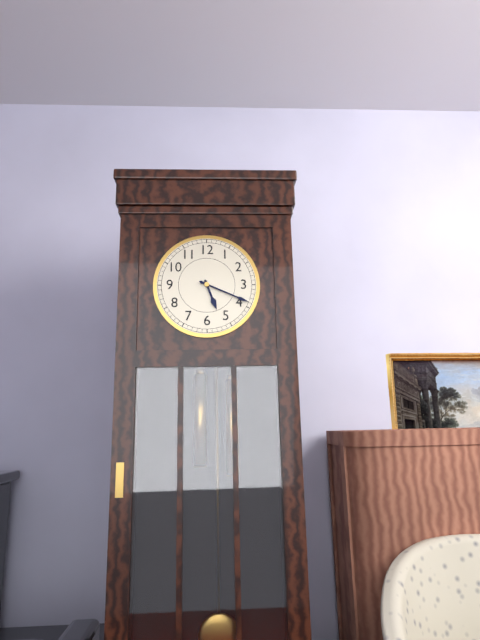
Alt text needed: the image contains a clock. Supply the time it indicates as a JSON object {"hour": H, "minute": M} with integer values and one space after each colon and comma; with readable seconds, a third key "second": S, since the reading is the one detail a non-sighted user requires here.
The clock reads {"hour": 5, "minute": 19}
